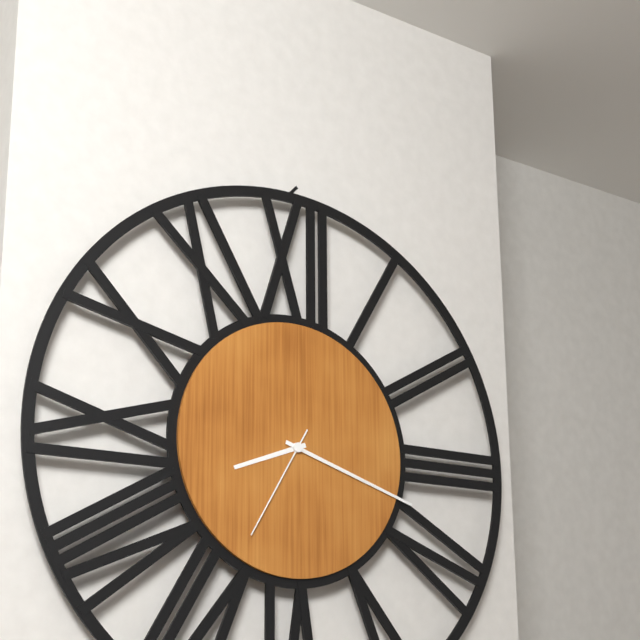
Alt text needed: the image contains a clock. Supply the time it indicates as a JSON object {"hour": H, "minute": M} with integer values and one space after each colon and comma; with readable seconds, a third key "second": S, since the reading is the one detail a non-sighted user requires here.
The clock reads {"hour": 8, "minute": 18, "second": 35}
